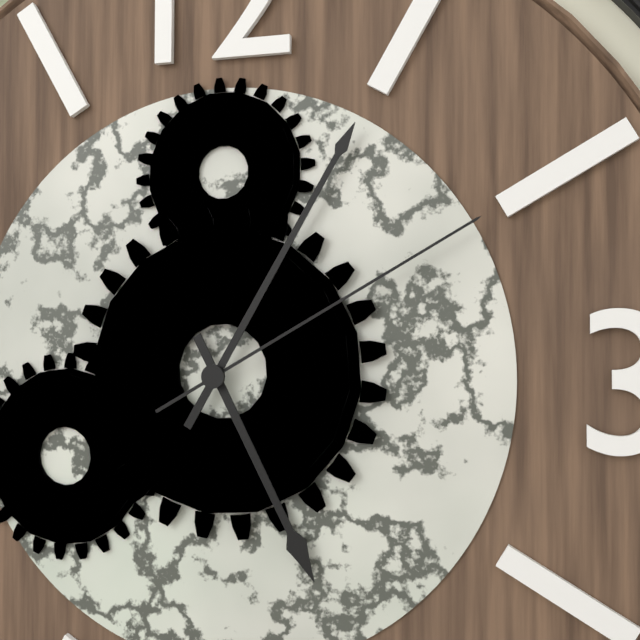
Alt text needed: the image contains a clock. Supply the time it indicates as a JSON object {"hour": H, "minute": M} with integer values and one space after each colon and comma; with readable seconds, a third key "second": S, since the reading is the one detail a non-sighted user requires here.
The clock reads {"hour": 5, "minute": 5, "second": 10}
